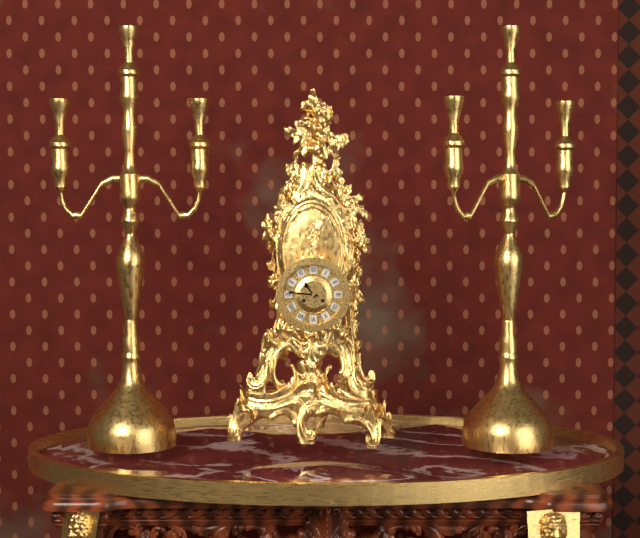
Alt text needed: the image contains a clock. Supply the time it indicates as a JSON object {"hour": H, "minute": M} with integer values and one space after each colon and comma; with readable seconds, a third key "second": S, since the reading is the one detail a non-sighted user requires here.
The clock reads {"hour": 10, "minute": 46}
